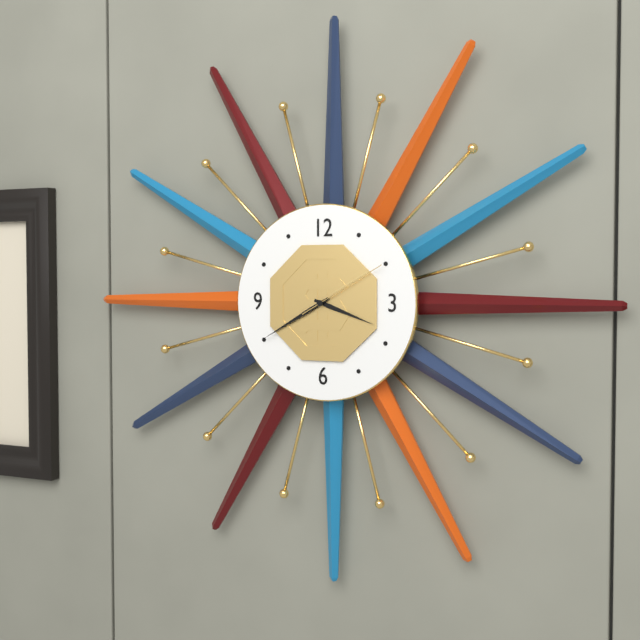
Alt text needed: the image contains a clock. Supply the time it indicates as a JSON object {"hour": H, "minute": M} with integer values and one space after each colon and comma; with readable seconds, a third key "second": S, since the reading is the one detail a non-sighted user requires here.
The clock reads {"hour": 3, "minute": 40, "second": 10}
